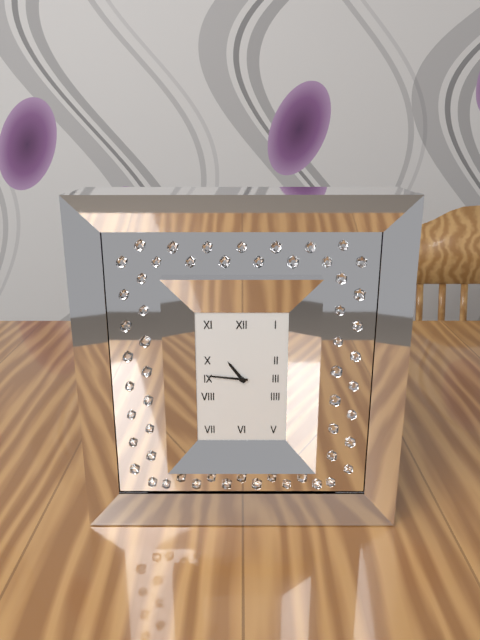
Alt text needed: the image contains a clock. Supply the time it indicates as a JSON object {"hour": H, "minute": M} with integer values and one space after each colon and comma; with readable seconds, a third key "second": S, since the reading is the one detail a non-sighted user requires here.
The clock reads {"hour": 10, "minute": 46}
